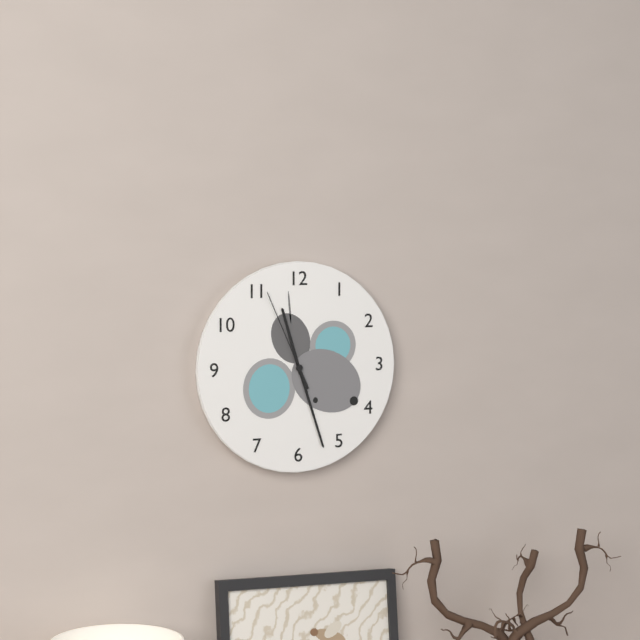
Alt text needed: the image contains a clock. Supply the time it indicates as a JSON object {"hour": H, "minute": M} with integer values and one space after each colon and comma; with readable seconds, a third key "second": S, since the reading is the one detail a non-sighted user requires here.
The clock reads {"hour": 11, "minute": 27, "second": 56}
